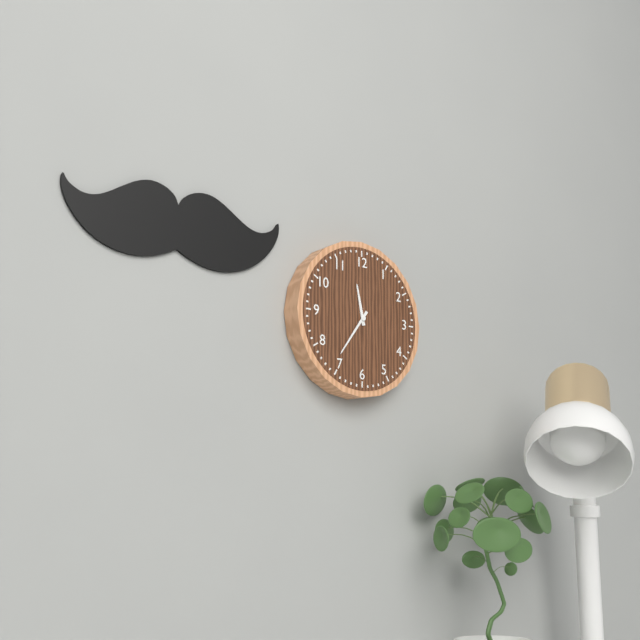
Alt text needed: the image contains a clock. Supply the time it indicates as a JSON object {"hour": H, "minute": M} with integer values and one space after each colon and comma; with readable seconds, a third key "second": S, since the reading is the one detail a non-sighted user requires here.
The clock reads {"hour": 11, "minute": 36}
